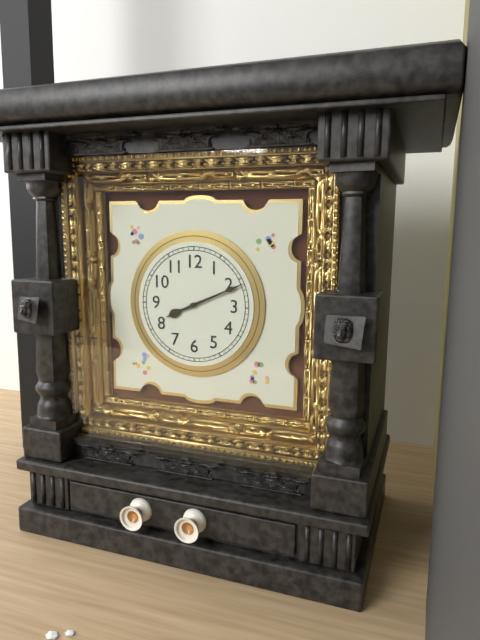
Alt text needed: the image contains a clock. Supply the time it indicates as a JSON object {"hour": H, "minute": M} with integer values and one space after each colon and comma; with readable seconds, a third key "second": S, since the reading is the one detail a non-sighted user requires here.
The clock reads {"hour": 8, "minute": 11}
